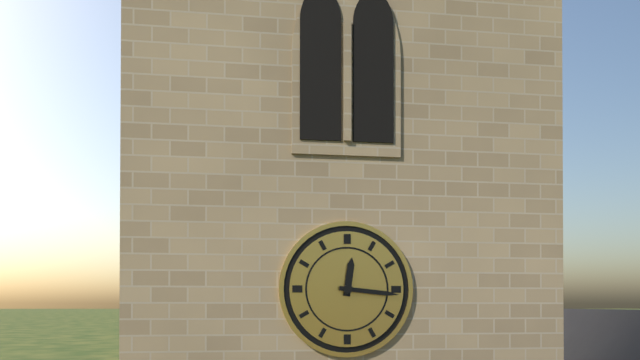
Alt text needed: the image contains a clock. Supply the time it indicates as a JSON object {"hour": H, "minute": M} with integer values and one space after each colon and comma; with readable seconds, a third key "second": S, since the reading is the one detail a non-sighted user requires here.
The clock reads {"hour": 12, "minute": 16}
